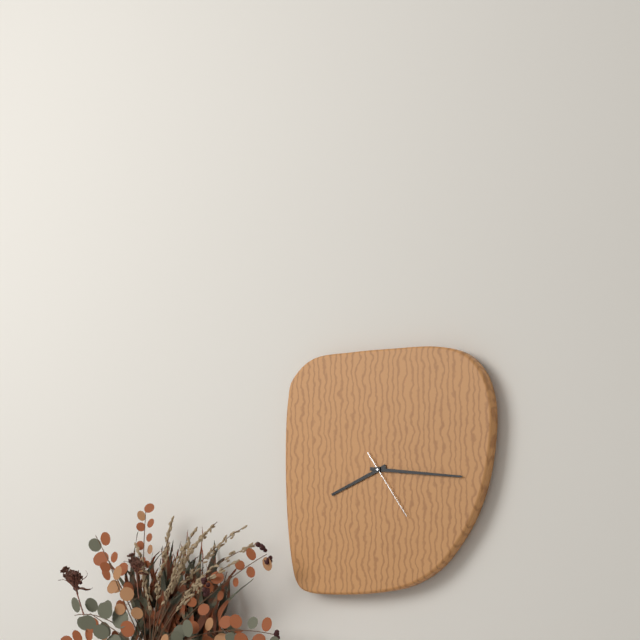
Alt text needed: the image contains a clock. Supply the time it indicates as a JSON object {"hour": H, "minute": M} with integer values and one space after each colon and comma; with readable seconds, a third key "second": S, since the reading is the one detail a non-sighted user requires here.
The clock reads {"hour": 8, "minute": 16, "second": 24}
